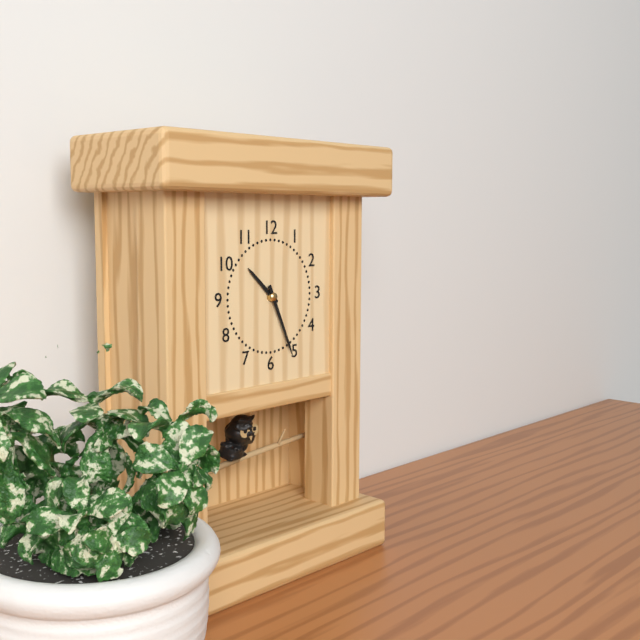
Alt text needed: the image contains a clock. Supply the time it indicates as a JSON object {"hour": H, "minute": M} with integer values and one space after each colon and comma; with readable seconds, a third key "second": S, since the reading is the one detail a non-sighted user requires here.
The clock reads {"hour": 10, "minute": 26}
